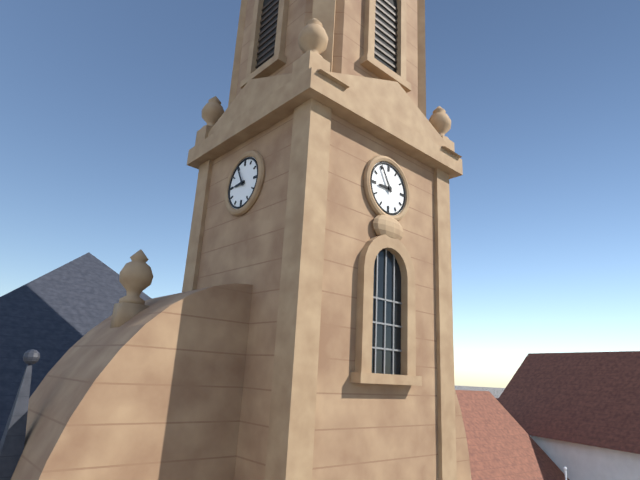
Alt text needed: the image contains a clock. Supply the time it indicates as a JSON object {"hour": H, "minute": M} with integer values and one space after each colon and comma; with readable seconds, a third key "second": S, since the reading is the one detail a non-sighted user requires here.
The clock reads {"hour": 8, "minute": 55}
